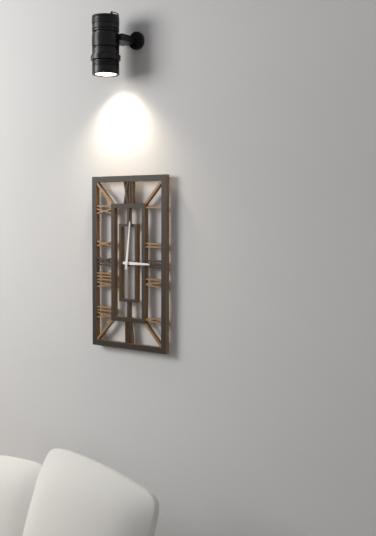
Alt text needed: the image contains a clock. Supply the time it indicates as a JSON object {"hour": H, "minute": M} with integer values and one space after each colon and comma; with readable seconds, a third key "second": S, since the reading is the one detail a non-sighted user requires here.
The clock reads {"hour": 3, "minute": 1}
